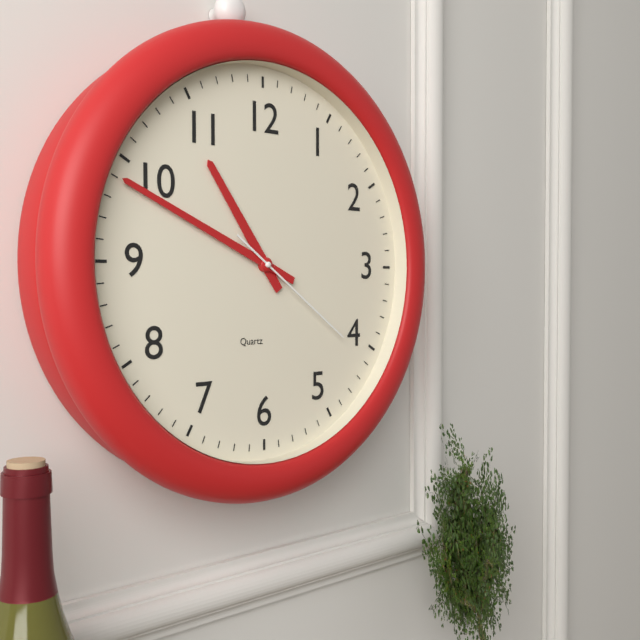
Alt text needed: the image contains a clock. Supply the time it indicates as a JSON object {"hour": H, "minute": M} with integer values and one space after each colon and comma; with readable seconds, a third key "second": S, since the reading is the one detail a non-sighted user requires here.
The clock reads {"hour": 10, "minute": 49, "second": 21}
